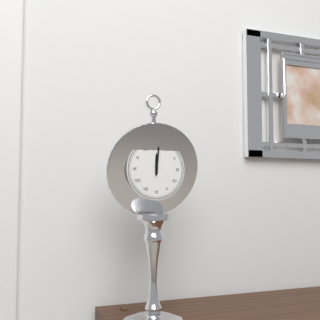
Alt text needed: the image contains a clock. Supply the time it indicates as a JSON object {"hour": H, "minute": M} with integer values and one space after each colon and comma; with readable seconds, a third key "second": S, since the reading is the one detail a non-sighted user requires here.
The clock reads {"hour": 12, "minute": 1}
